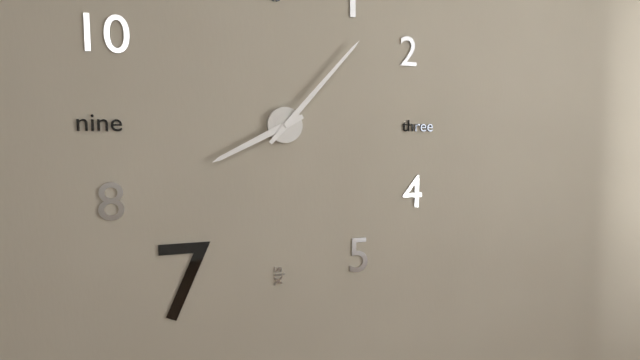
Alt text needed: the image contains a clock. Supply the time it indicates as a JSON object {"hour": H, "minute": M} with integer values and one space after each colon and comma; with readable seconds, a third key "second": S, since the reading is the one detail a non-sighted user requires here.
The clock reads {"hour": 8, "minute": 7}
